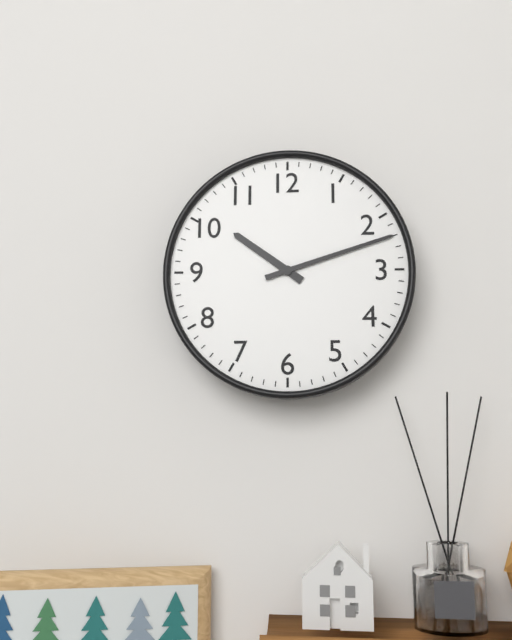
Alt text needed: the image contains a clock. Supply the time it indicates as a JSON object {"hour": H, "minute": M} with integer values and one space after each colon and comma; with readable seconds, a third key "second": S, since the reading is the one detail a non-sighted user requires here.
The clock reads {"hour": 10, "minute": 12}
